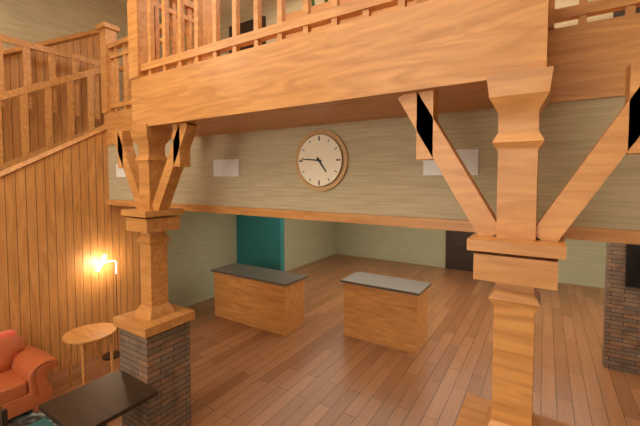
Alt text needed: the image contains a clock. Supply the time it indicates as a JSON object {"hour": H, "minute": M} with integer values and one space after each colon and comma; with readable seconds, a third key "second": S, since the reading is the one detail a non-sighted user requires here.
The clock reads {"hour": 4, "minute": 46}
